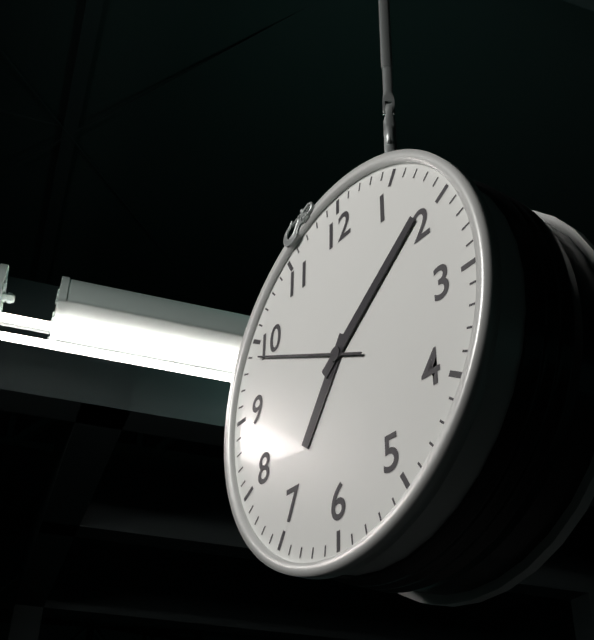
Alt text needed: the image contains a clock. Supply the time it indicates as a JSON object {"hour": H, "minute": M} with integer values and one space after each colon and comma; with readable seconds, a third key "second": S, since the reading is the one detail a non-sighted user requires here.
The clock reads {"hour": 7, "minute": 9, "second": 49}
